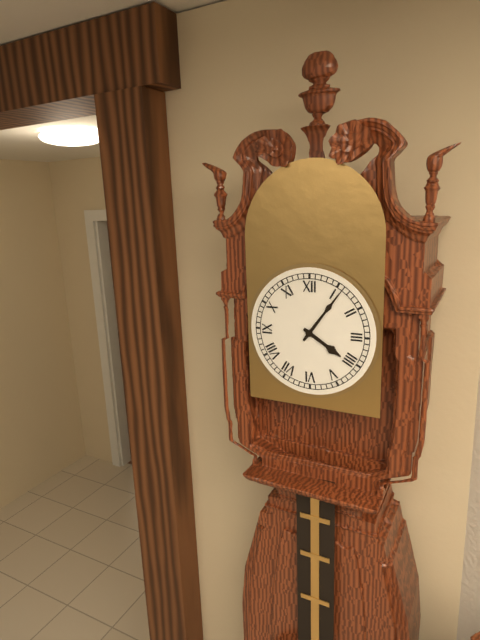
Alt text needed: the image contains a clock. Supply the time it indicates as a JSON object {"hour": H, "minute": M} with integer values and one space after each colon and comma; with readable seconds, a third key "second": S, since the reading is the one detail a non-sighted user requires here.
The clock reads {"hour": 4, "minute": 6}
